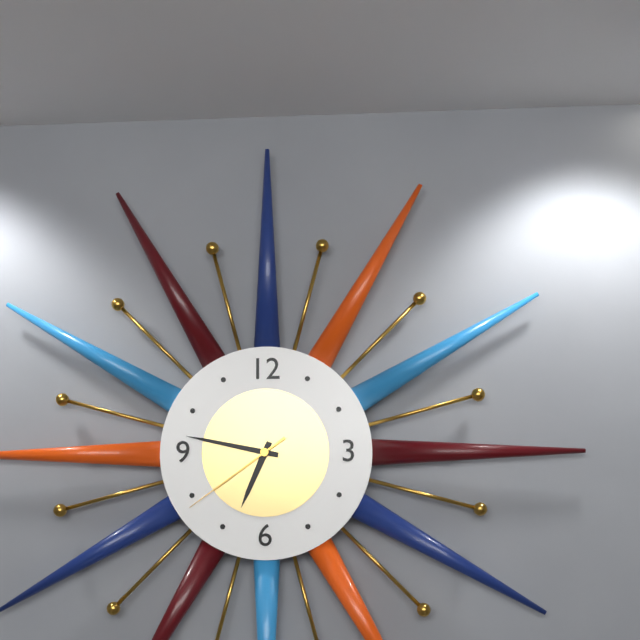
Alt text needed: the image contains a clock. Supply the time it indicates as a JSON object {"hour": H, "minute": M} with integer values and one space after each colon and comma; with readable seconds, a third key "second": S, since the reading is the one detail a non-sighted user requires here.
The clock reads {"hour": 6, "minute": 47, "second": 39}
